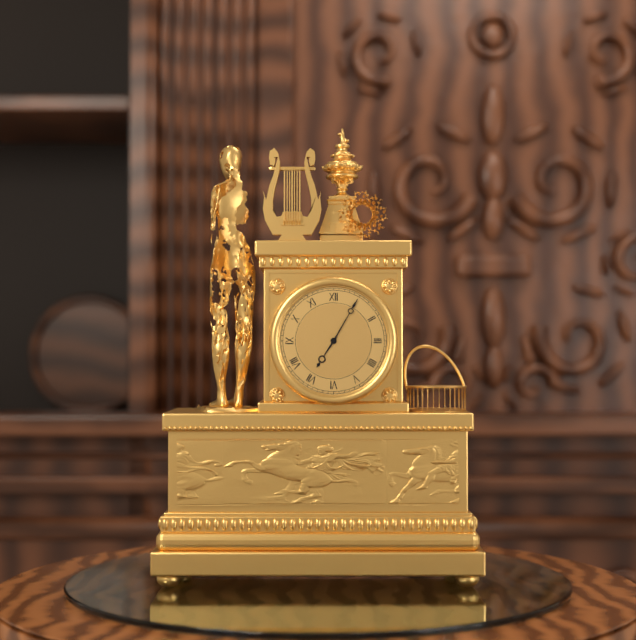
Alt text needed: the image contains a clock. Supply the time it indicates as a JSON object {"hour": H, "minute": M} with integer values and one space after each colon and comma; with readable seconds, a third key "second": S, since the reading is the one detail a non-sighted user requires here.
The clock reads {"hour": 7, "minute": 5}
